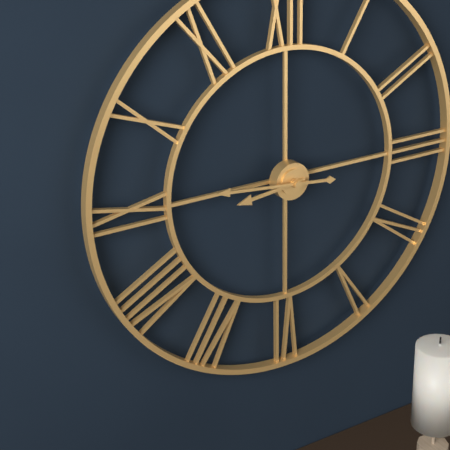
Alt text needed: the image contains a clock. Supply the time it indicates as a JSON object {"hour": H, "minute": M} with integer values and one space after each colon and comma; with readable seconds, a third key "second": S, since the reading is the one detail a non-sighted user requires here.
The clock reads {"hour": 8, "minute": 46}
